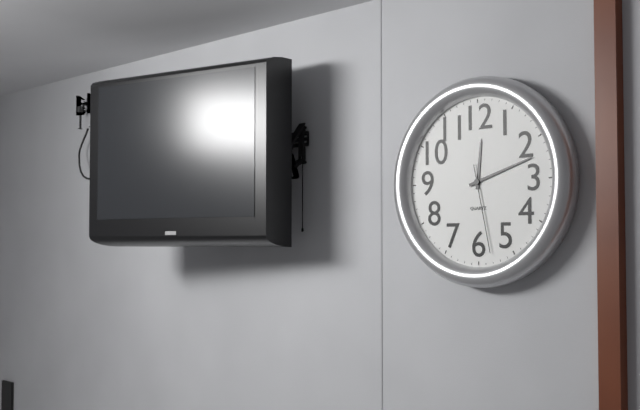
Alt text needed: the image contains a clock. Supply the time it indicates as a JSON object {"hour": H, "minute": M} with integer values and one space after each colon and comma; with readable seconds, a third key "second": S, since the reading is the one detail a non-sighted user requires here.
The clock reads {"hour": 12, "minute": 12, "second": 28}
